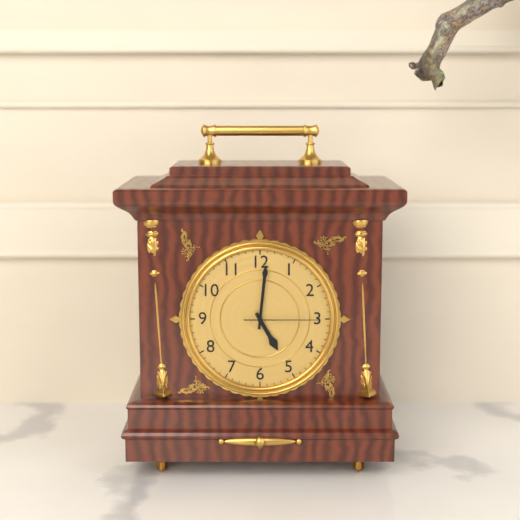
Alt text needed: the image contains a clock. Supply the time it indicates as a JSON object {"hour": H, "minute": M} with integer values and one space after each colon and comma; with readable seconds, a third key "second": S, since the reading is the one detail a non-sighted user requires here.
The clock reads {"hour": 5, "minute": 1, "second": 15}
